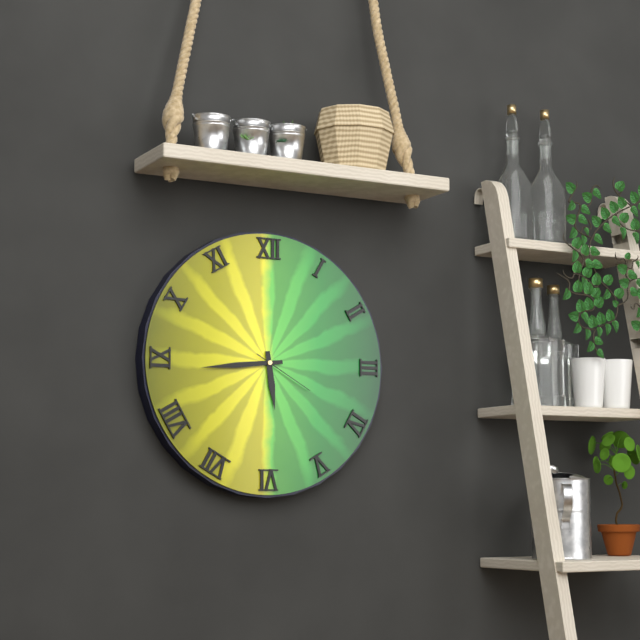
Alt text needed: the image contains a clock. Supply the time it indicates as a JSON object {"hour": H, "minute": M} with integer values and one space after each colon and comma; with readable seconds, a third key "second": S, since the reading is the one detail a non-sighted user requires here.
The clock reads {"hour": 5, "minute": 44, "second": 20}
